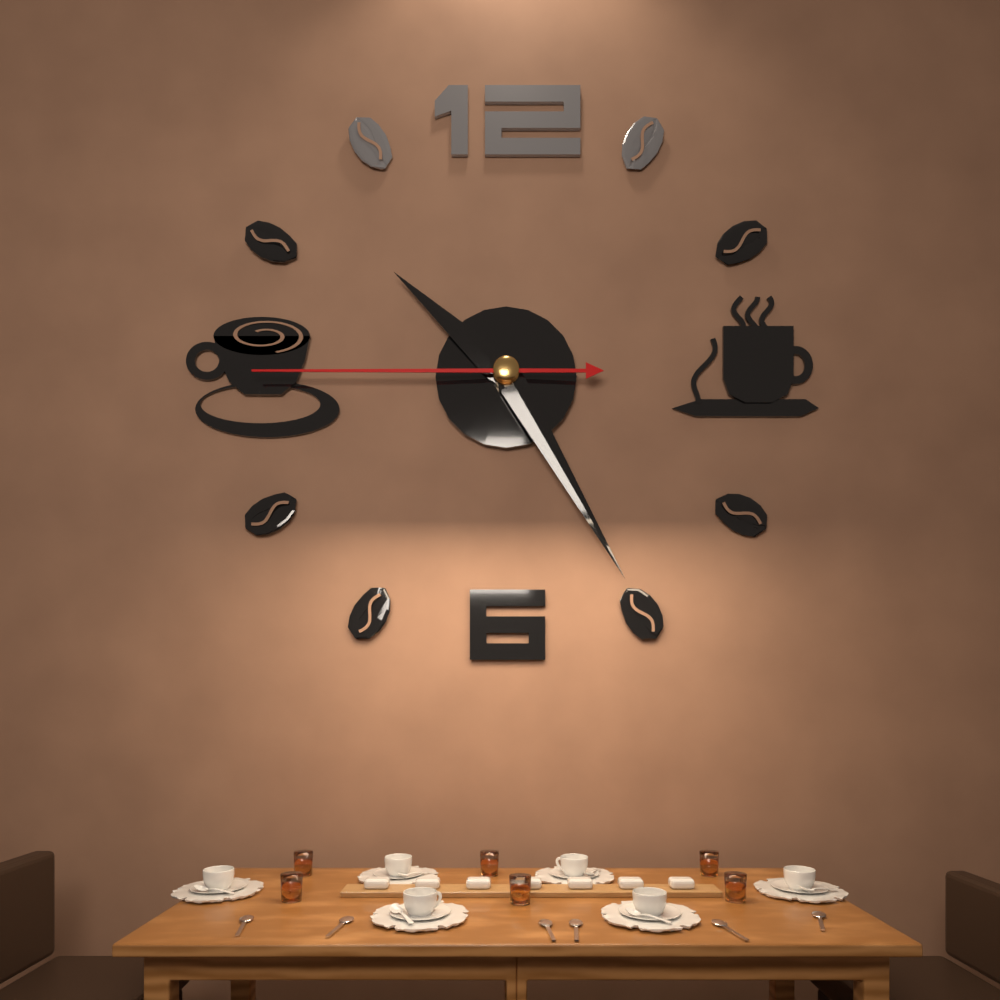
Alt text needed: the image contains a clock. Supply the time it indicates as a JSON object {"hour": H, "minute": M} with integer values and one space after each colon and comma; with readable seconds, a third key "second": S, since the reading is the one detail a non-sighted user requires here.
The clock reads {"hour": 10, "minute": 25, "second": 45}
